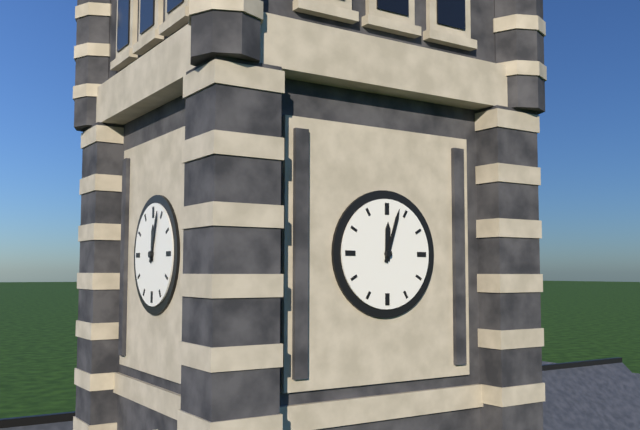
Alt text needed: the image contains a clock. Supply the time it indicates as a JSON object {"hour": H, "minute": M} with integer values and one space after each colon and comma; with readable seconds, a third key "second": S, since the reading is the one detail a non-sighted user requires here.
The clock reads {"hour": 12, "minute": 3}
